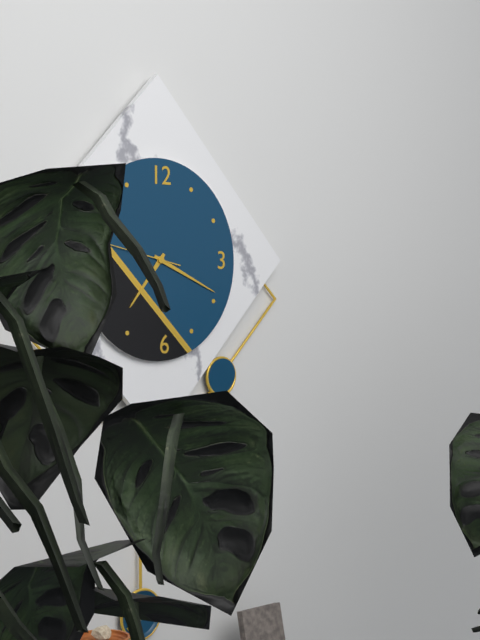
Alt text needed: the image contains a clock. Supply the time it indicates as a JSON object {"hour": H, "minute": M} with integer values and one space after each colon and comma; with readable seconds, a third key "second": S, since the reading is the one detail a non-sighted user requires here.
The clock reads {"hour": 7, "minute": 19, "second": 47}
